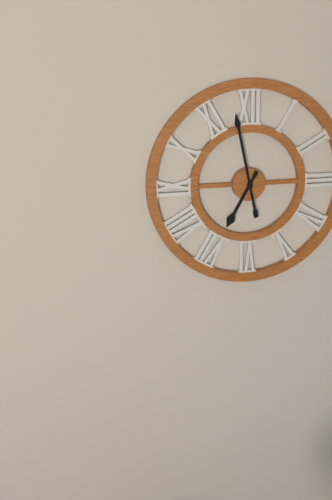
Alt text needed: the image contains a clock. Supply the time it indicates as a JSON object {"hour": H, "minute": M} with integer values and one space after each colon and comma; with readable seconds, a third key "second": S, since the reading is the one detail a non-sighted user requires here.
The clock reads {"hour": 6, "minute": 58}
